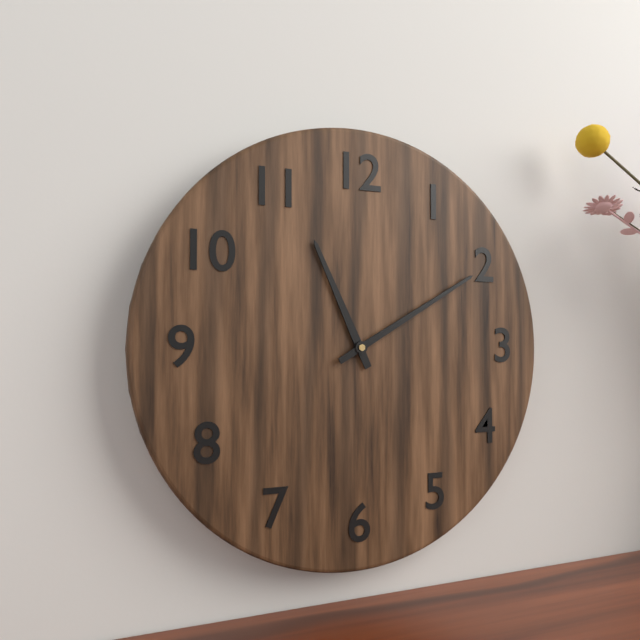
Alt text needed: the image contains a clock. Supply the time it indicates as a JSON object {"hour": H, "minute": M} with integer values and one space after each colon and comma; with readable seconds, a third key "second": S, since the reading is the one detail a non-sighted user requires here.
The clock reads {"hour": 11, "minute": 10}
